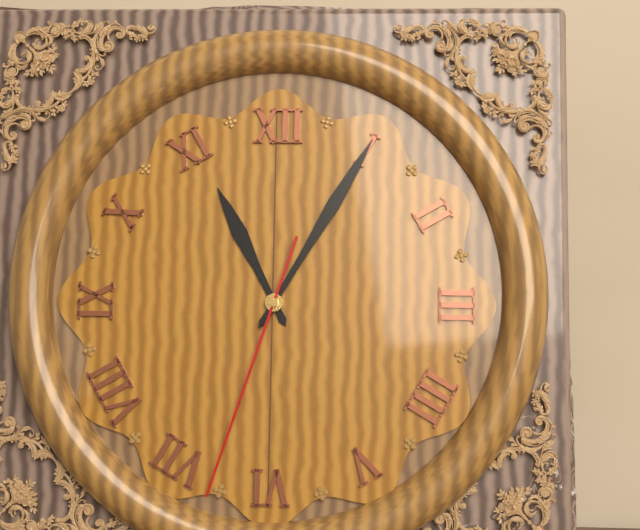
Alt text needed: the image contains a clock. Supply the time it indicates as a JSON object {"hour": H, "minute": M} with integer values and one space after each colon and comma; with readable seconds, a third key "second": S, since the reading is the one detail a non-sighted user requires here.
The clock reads {"hour": 11, "minute": 5, "second": 33}
